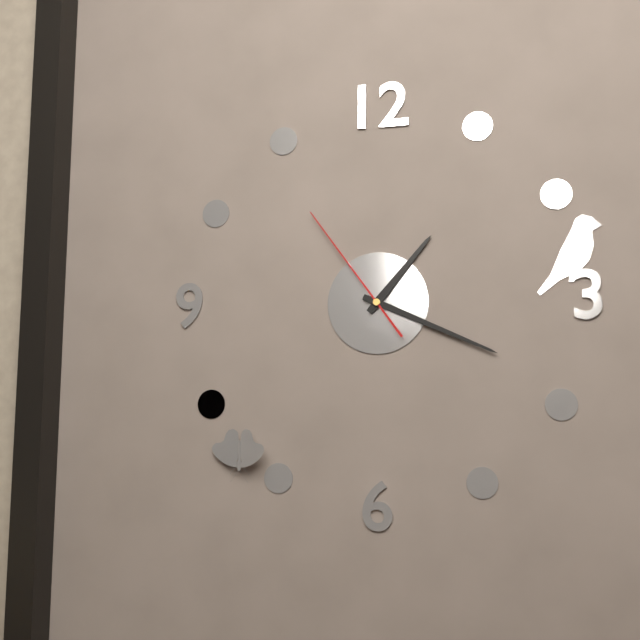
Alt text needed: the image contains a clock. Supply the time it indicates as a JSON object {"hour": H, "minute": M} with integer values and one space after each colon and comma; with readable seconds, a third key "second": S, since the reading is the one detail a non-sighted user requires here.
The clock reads {"hour": 1, "minute": 19, "second": 54}
